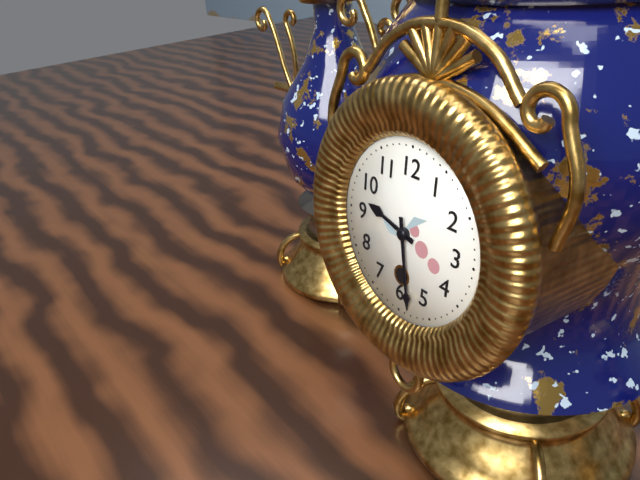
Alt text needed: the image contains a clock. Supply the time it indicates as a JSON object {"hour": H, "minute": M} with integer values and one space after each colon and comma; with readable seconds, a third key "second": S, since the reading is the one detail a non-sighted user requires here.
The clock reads {"hour": 9, "minute": 28}
